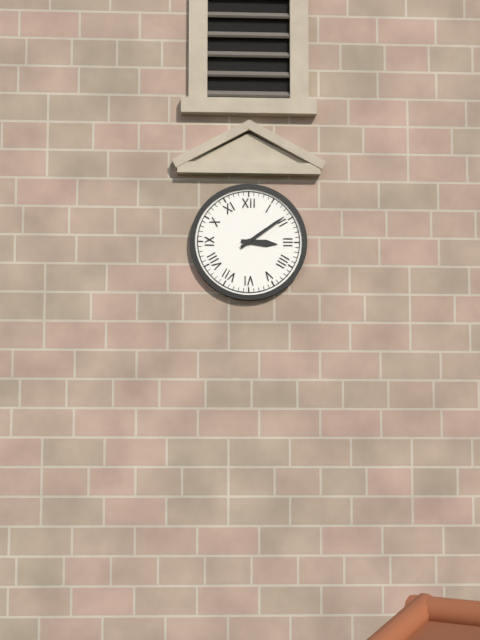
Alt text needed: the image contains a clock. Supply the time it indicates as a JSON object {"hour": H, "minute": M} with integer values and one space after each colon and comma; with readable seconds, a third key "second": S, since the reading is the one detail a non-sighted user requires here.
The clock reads {"hour": 3, "minute": 9}
